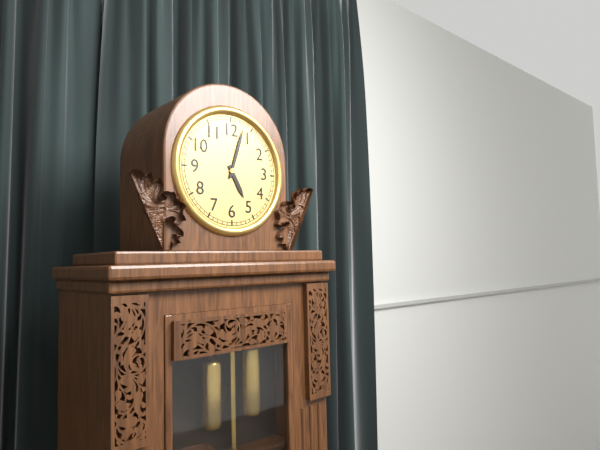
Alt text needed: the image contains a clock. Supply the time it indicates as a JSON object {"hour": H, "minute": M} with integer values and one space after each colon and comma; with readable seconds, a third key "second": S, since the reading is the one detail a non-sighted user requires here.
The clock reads {"hour": 5, "minute": 3}
